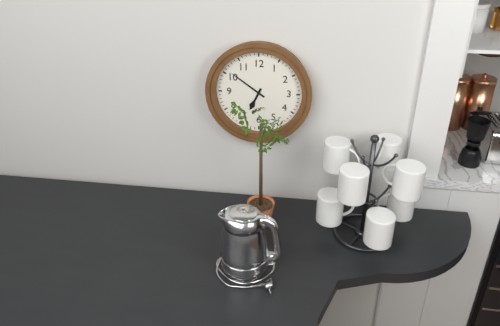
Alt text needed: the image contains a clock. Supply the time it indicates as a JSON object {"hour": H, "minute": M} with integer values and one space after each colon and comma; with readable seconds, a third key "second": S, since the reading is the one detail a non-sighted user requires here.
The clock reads {"hour": 6, "minute": 51}
